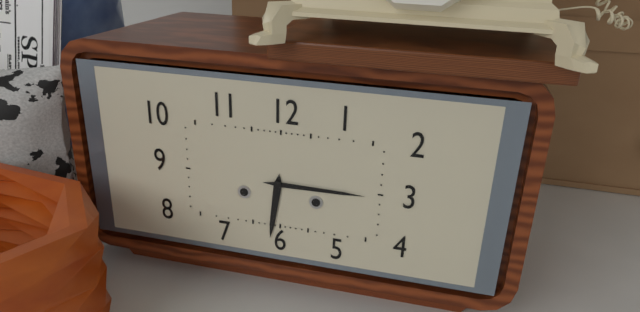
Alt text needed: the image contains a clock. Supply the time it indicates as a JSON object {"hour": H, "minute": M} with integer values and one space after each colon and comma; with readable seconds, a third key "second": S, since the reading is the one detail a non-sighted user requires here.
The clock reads {"hour": 6, "minute": 15}
